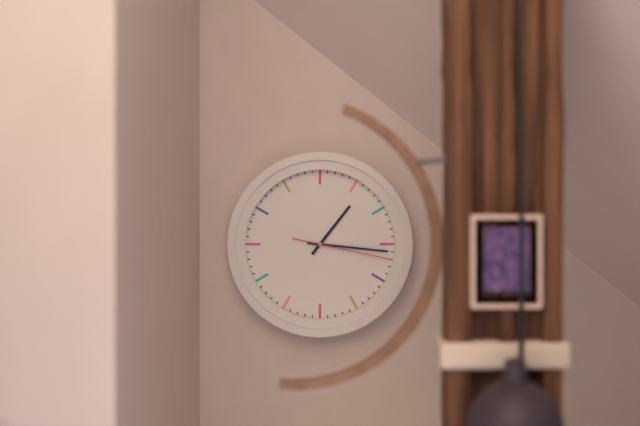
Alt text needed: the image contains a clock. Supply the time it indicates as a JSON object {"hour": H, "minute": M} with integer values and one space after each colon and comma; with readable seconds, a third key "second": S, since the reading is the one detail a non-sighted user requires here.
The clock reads {"hour": 1, "minute": 16, "second": 17}
